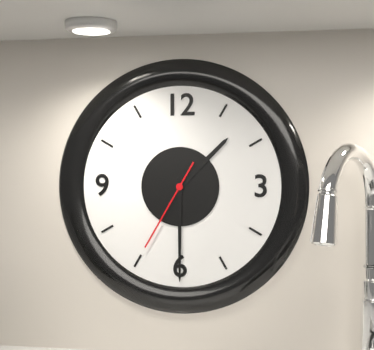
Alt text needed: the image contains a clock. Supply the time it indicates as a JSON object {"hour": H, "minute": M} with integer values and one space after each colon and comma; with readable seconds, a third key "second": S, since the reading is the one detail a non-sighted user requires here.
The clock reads {"hour": 1, "minute": 30, "second": 35}
